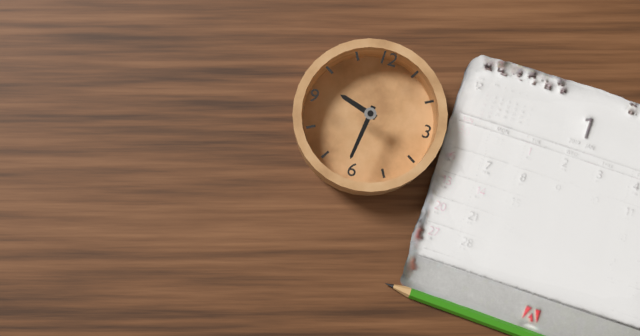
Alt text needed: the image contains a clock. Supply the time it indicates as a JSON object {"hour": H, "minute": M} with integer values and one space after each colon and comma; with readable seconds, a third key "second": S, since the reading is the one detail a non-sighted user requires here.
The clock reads {"hour": 9, "minute": 31}
